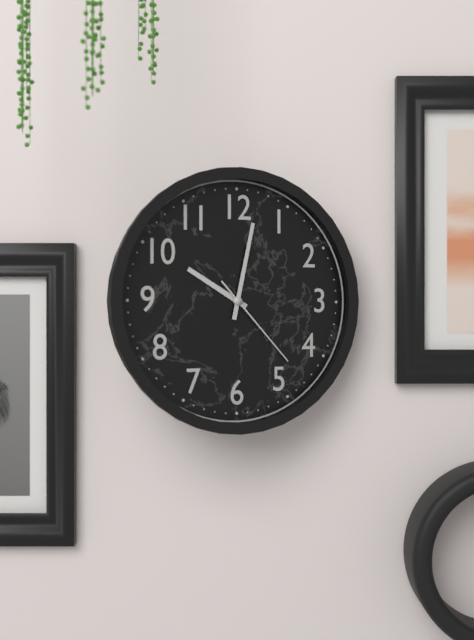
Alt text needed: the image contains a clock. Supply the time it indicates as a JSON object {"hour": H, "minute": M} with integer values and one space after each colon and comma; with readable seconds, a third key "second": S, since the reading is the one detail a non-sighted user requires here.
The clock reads {"hour": 10, "minute": 2, "second": 23}
